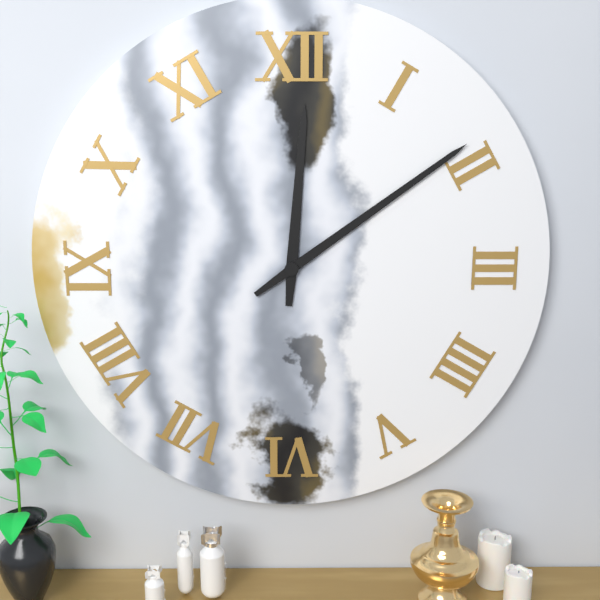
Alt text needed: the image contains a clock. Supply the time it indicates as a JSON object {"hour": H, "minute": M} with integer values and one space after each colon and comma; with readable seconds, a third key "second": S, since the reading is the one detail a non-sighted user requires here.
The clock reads {"hour": 12, "minute": 9}
